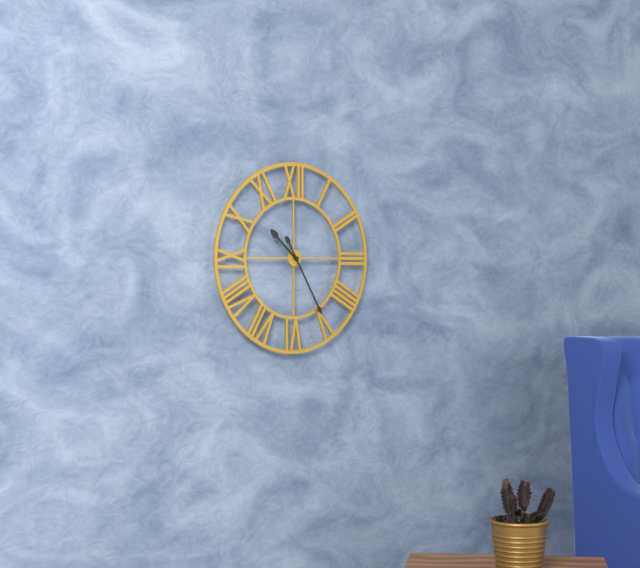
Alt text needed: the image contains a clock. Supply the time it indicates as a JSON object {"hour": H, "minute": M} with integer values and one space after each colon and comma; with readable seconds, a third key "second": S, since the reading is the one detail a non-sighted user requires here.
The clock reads {"hour": 10, "minute": 25}
